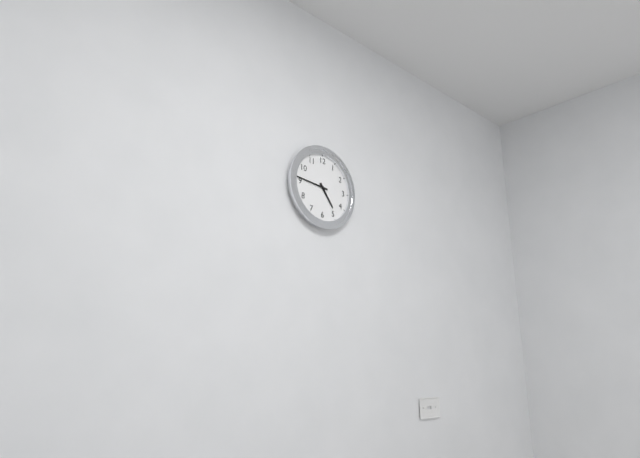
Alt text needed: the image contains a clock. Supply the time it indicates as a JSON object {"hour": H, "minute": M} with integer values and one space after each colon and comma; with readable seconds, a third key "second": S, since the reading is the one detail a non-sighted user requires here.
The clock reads {"hour": 4, "minute": 46}
